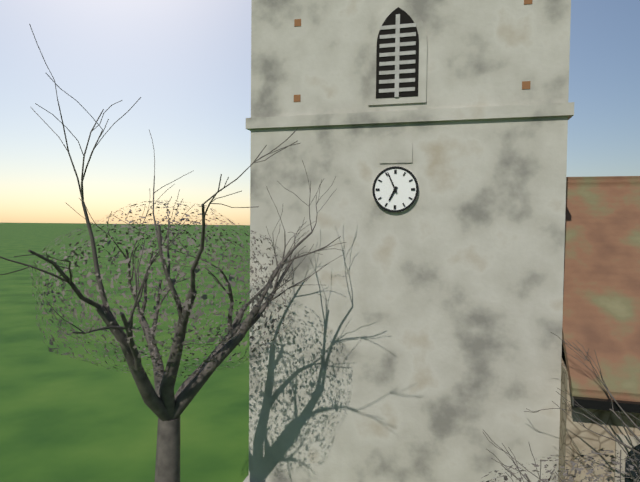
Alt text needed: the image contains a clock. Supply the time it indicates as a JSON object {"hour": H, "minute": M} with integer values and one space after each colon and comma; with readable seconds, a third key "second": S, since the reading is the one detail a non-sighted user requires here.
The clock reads {"hour": 6, "minute": 56}
